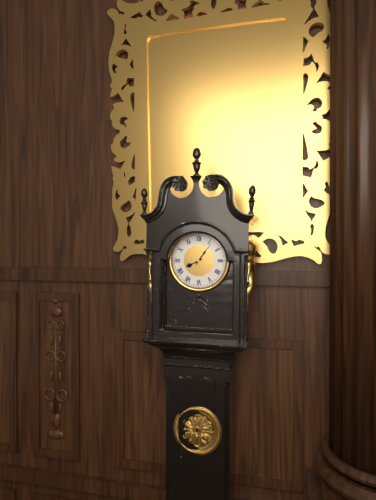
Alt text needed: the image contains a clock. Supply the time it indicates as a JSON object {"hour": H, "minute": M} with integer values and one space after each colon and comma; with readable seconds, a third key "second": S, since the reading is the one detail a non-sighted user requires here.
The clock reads {"hour": 8, "minute": 6}
